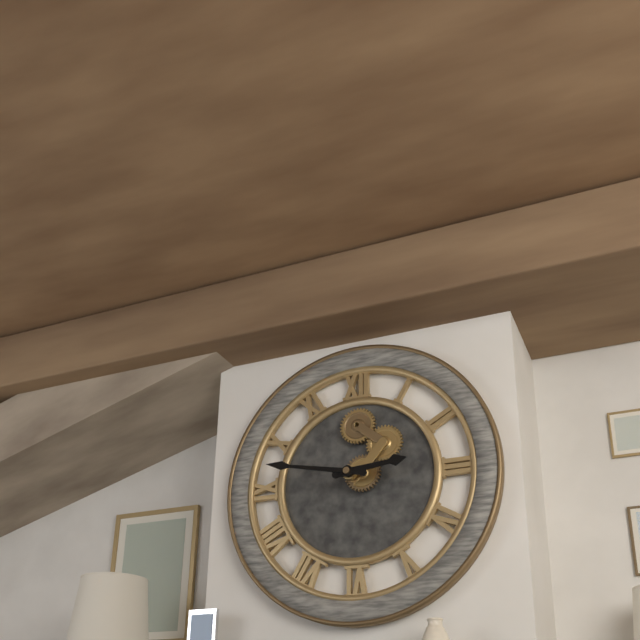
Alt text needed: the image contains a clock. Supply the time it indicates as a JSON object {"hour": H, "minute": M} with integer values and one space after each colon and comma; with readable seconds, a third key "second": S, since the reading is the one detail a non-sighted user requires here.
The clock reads {"hour": 2, "minute": 47}
